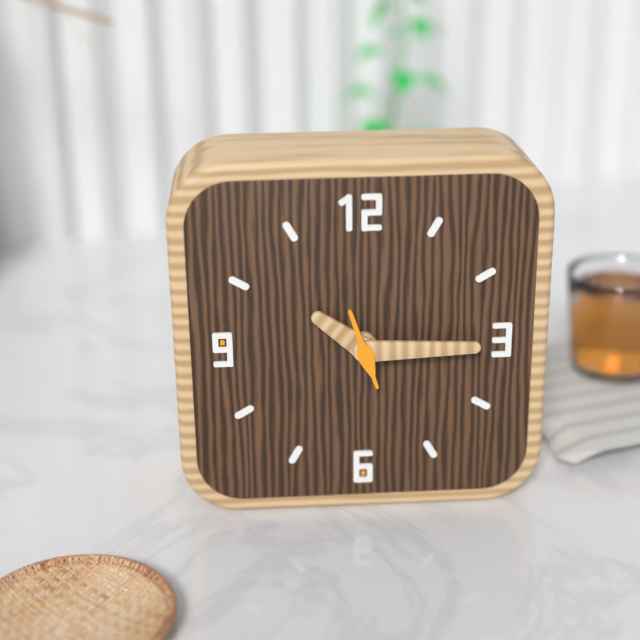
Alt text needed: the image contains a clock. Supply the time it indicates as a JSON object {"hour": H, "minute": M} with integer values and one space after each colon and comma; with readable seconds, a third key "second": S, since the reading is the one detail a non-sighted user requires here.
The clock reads {"hour": 10, "minute": 15, "second": 57}
